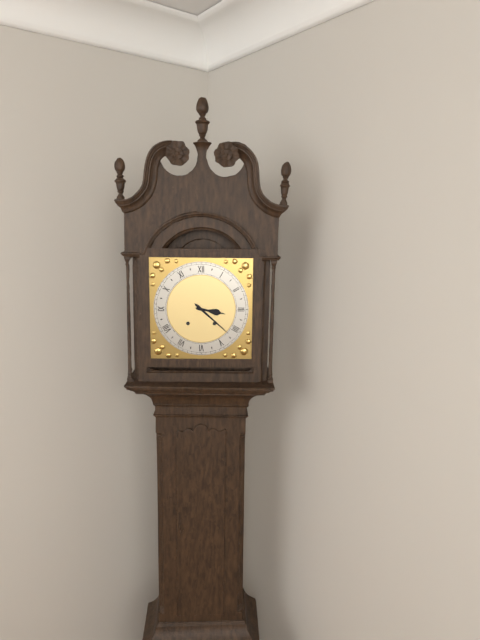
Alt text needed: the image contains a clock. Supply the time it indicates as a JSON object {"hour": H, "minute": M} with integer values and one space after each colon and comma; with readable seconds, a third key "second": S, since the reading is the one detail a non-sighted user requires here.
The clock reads {"hour": 3, "minute": 22}
